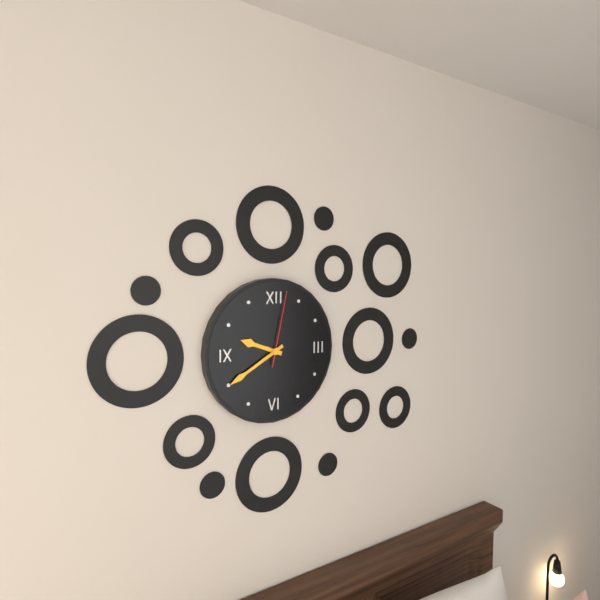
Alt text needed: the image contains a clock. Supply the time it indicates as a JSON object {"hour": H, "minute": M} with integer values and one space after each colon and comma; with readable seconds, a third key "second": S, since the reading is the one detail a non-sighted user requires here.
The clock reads {"hour": 9, "minute": 40, "second": 2}
